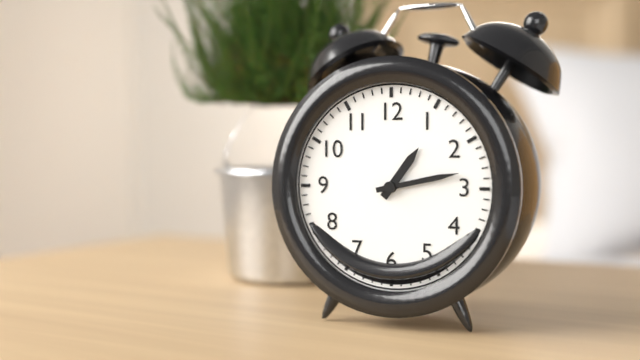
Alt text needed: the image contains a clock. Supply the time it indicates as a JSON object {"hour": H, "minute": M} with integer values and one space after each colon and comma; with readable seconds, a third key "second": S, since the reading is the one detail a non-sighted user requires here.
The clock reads {"hour": 1, "minute": 13}
